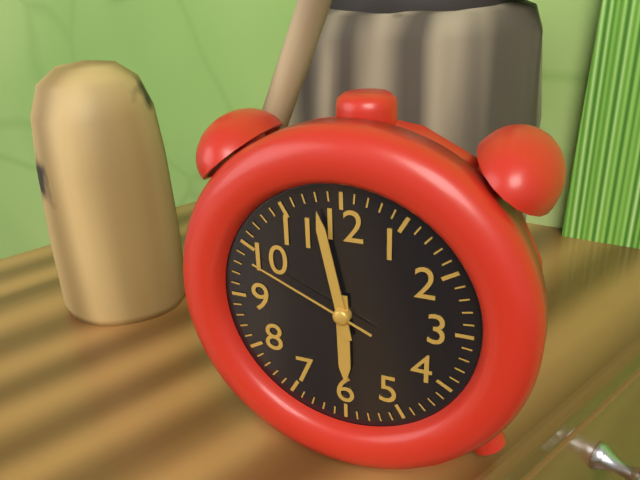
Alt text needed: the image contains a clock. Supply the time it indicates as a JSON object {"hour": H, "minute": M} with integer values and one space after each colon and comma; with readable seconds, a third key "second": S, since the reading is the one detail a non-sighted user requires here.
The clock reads {"hour": 5, "minute": 58, "second": 49}
